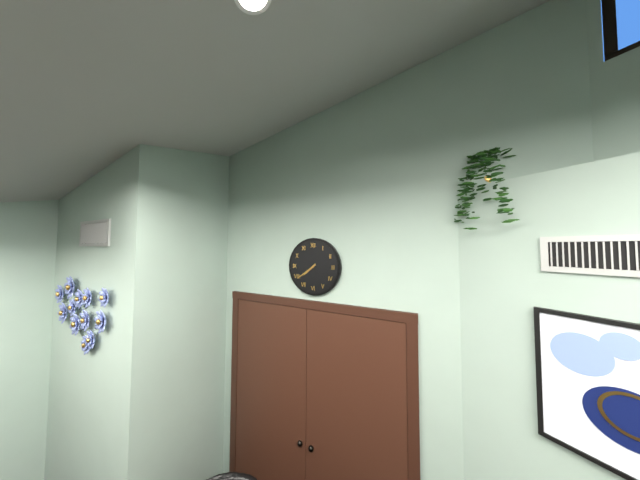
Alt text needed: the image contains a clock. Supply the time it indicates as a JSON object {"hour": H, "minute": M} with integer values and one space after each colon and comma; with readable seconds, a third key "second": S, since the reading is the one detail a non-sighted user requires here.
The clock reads {"hour": 7, "minute": 39}
